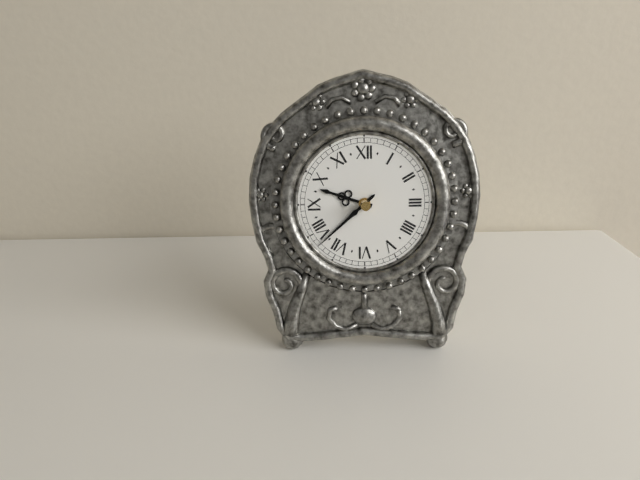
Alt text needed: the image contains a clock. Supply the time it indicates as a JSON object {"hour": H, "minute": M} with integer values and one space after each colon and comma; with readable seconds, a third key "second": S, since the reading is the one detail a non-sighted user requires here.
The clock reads {"hour": 9, "minute": 38}
